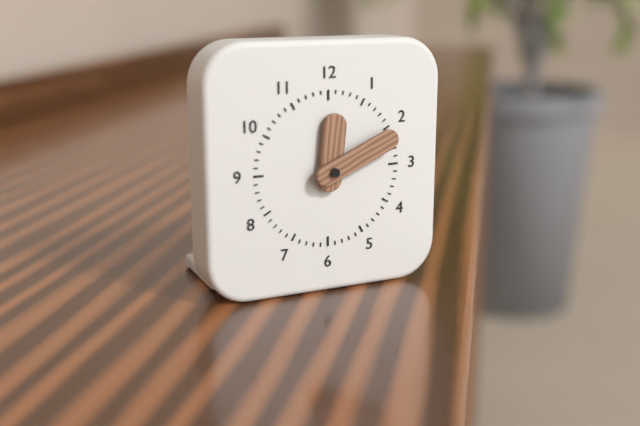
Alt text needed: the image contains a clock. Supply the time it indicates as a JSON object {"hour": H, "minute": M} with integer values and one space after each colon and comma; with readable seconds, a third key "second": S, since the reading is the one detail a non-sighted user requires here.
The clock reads {"hour": 12, "minute": 11}
